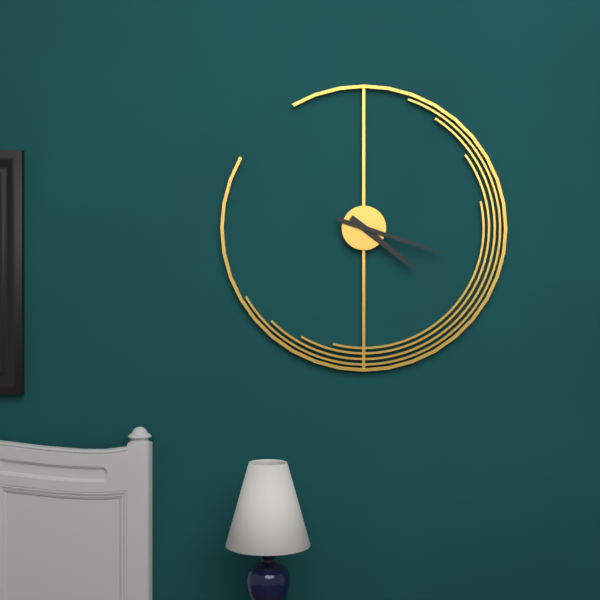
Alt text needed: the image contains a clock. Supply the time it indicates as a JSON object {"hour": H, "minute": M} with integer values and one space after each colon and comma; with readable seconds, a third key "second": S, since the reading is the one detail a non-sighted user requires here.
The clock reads {"hour": 4, "minute": 18}
